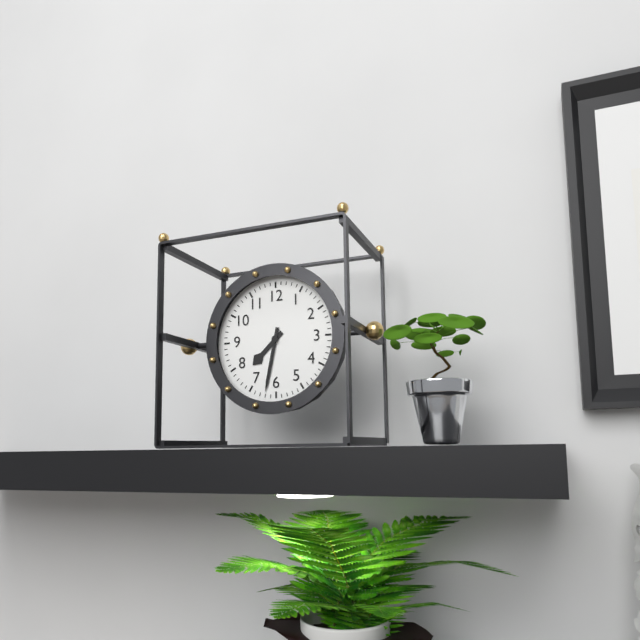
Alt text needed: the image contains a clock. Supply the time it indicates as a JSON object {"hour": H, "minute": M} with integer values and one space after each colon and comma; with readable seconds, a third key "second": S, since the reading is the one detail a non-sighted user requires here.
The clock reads {"hour": 7, "minute": 32}
